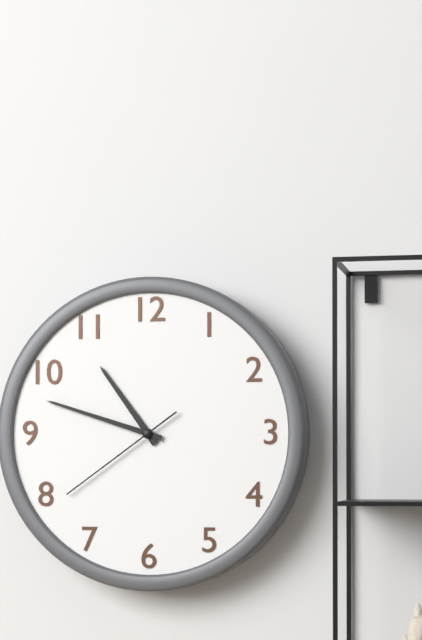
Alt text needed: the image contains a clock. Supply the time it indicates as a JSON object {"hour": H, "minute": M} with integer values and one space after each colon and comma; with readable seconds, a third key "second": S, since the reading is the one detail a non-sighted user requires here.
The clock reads {"hour": 10, "minute": 48, "second": 39}
